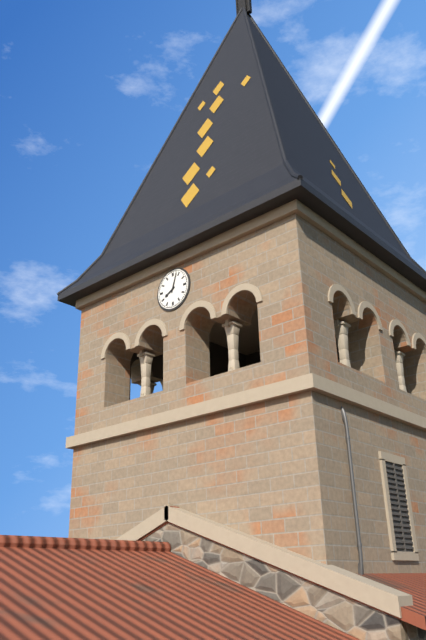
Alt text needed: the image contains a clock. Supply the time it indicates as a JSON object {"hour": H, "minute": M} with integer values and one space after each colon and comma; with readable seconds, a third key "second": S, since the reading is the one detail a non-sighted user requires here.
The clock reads {"hour": 8, "minute": 3}
